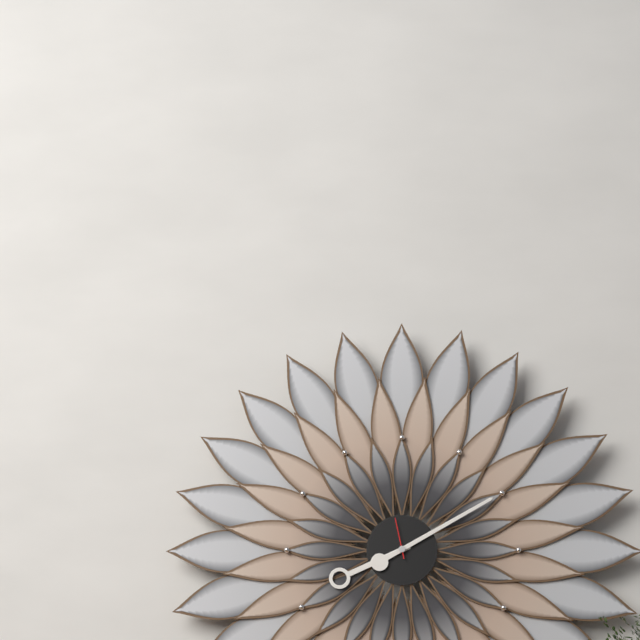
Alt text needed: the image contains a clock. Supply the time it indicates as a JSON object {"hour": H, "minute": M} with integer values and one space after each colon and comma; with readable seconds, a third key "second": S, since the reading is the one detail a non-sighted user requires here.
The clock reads {"hour": 8, "minute": 10}
